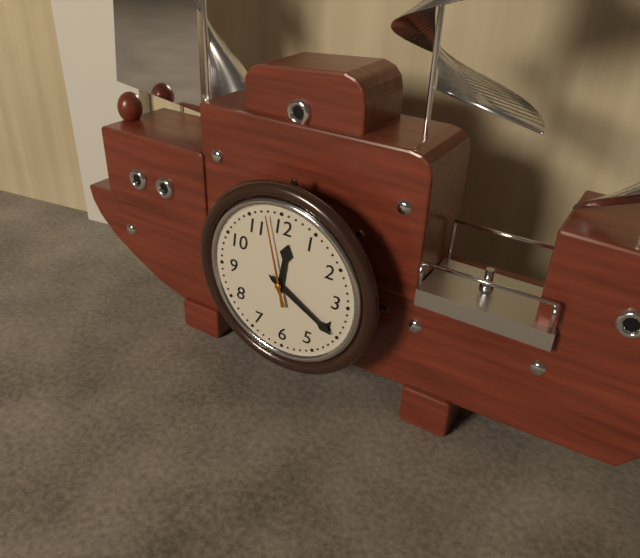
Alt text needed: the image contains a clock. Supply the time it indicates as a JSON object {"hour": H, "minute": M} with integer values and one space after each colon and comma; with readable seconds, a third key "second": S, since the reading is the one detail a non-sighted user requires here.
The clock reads {"hour": 12, "minute": 20, "second": 58}
